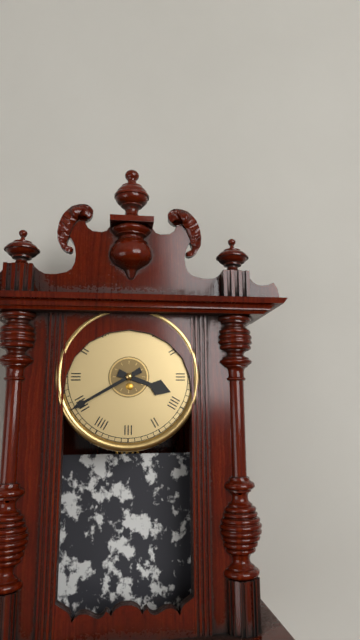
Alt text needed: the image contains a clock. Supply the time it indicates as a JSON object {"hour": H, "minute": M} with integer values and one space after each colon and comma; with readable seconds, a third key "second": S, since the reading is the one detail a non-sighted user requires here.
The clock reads {"hour": 3, "minute": 40}
